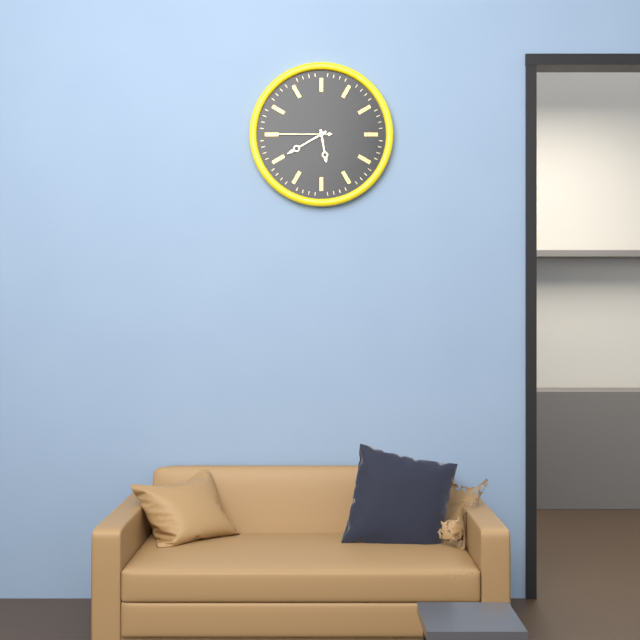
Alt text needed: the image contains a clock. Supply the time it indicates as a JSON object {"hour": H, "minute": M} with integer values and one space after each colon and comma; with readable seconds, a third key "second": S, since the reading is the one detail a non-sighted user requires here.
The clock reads {"hour": 5, "minute": 40, "second": 45}
